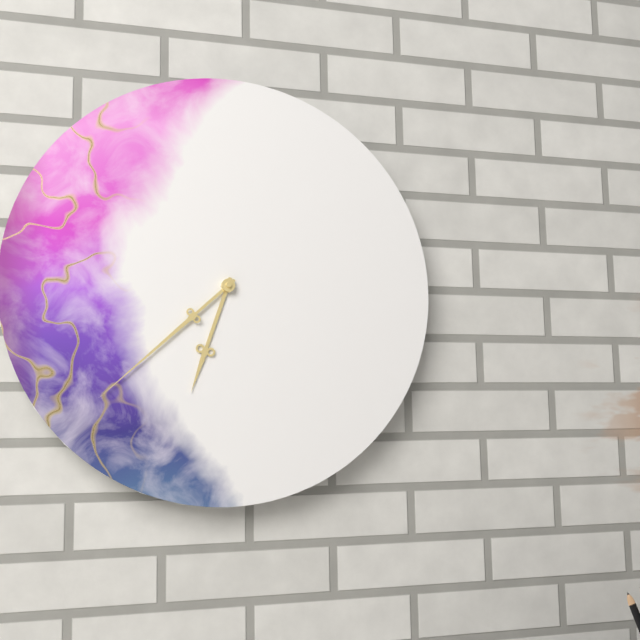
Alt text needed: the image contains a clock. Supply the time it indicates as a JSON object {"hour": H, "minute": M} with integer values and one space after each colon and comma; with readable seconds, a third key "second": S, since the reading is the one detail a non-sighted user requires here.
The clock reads {"hour": 6, "minute": 38}
